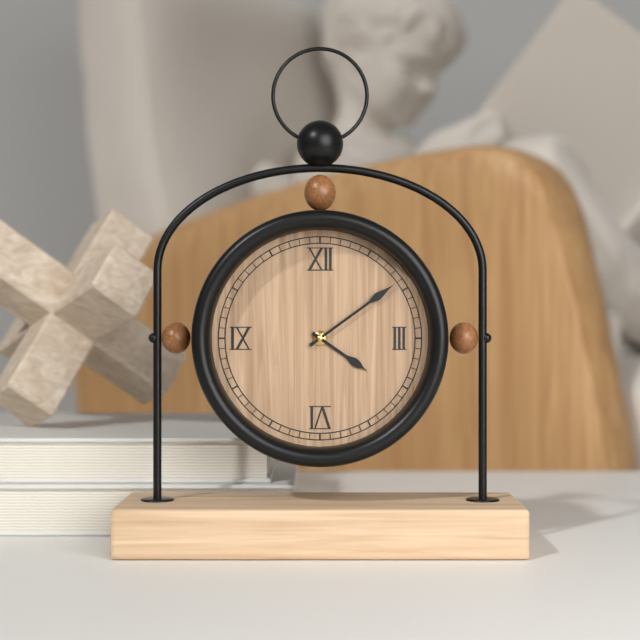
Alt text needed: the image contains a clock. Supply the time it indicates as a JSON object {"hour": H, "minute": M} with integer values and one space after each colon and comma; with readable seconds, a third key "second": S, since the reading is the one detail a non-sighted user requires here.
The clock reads {"hour": 4, "minute": 9}
